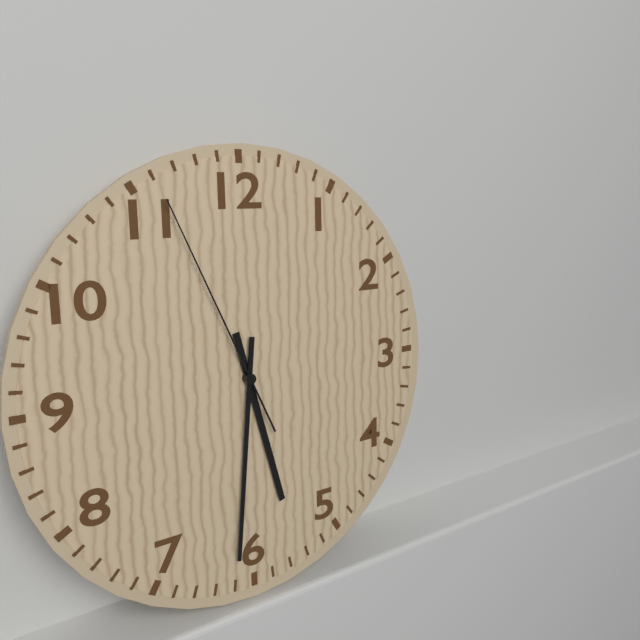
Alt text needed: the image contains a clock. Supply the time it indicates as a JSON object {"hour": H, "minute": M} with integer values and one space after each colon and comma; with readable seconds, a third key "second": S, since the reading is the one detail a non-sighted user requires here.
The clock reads {"hour": 5, "minute": 31, "second": 56}
